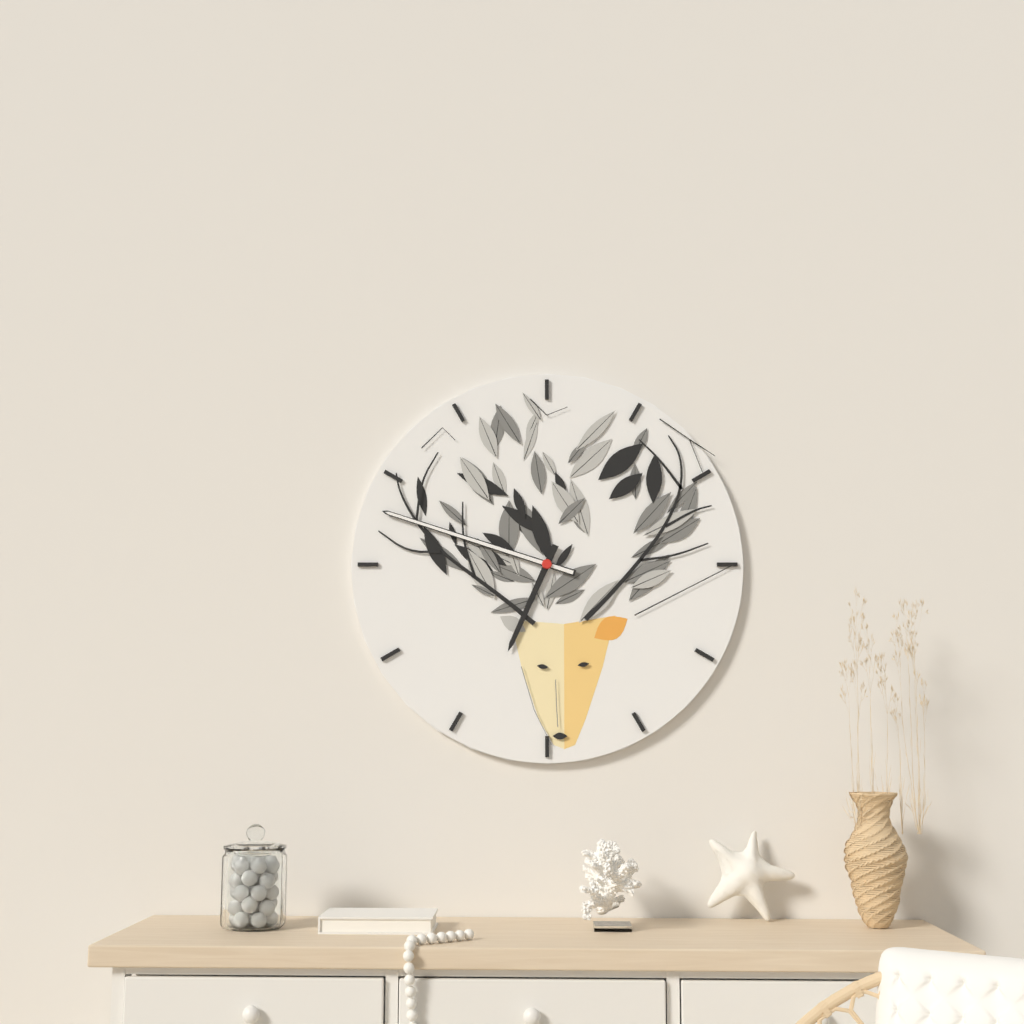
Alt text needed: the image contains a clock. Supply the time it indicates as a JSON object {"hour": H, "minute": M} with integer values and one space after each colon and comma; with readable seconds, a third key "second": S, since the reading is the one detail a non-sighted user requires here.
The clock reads {"hour": 6, "minute": 48}
